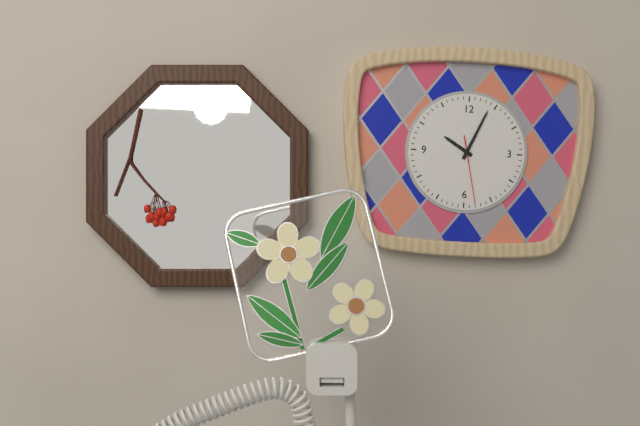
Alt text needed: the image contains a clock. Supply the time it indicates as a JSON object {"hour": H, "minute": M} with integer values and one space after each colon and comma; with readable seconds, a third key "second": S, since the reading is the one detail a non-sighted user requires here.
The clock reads {"hour": 10, "minute": 4, "second": 28}
